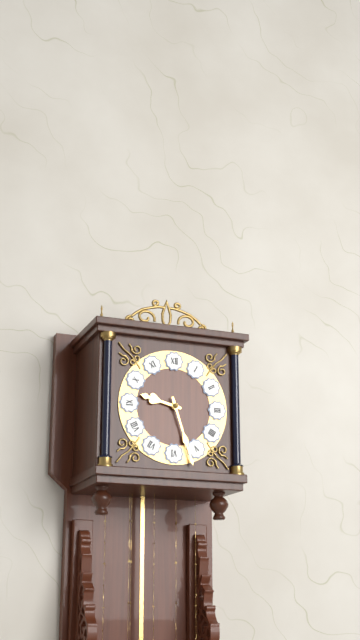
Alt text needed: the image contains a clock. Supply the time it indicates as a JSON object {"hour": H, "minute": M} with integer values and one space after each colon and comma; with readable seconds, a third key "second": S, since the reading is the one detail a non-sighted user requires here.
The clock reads {"hour": 9, "minute": 27}
